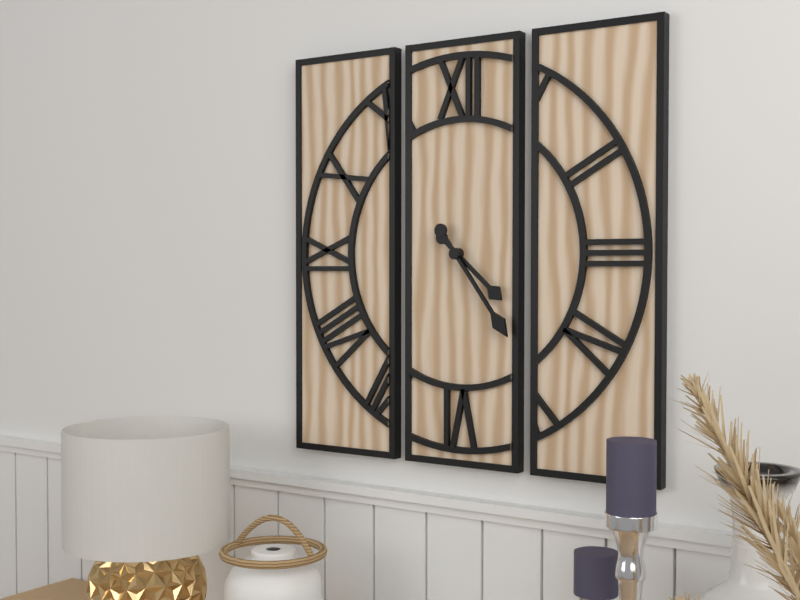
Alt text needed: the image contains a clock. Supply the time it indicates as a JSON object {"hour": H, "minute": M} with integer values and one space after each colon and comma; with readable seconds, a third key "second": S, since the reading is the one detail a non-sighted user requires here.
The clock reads {"hour": 4, "minute": 24}
